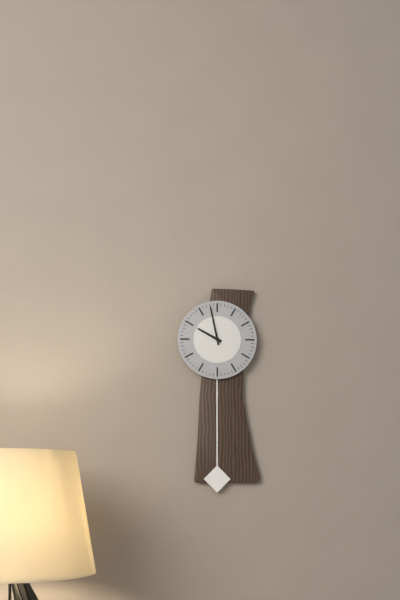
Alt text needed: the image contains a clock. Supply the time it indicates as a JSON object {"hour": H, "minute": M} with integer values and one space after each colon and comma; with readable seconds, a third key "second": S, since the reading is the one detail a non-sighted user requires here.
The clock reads {"hour": 9, "minute": 58}
